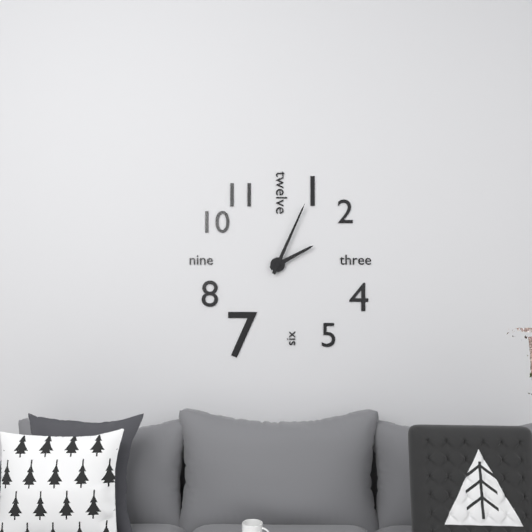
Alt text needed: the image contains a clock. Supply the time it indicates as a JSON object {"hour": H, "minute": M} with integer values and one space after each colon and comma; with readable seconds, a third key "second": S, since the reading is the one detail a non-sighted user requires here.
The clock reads {"hour": 2, "minute": 4}
